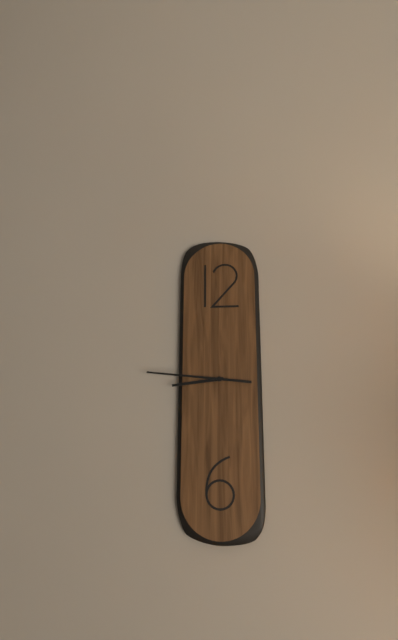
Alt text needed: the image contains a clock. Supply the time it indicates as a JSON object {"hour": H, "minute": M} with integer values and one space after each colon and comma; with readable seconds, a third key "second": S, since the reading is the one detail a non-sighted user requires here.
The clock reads {"hour": 8, "minute": 46}
